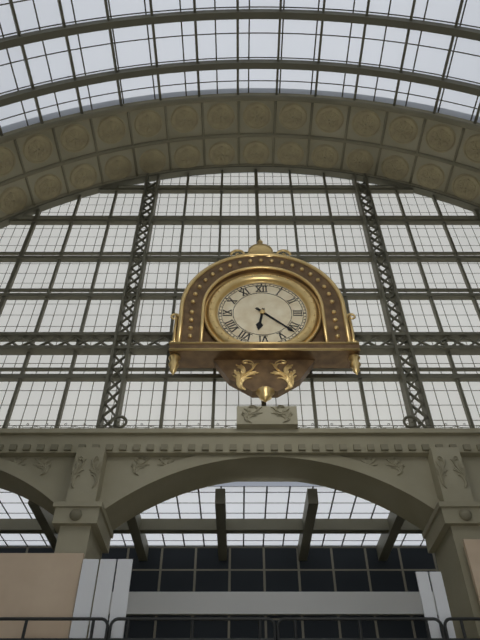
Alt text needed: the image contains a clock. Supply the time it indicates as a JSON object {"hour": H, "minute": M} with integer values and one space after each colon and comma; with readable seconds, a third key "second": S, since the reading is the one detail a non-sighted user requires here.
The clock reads {"hour": 6, "minute": 22}
